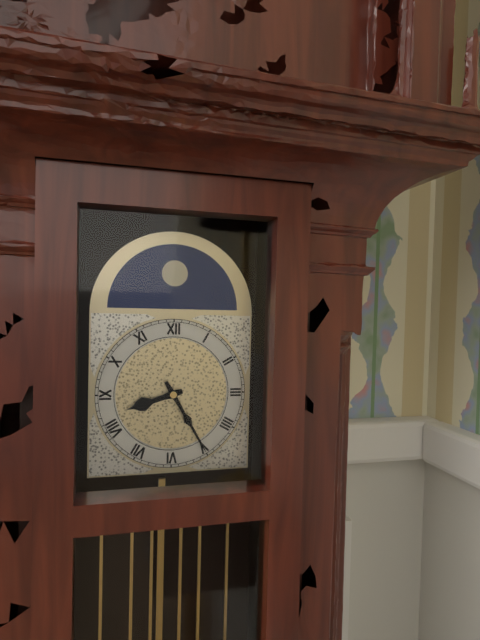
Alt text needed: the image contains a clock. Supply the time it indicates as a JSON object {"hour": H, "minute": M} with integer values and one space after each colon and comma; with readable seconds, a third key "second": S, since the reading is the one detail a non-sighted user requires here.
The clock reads {"hour": 8, "minute": 25}
